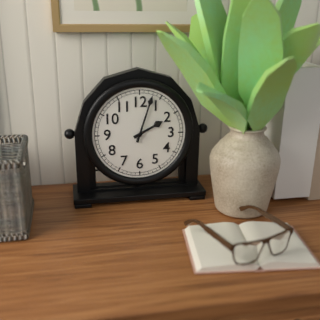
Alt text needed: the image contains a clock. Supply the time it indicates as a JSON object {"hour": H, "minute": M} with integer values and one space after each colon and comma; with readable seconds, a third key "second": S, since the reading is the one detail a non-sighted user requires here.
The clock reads {"hour": 2, "minute": 3}
